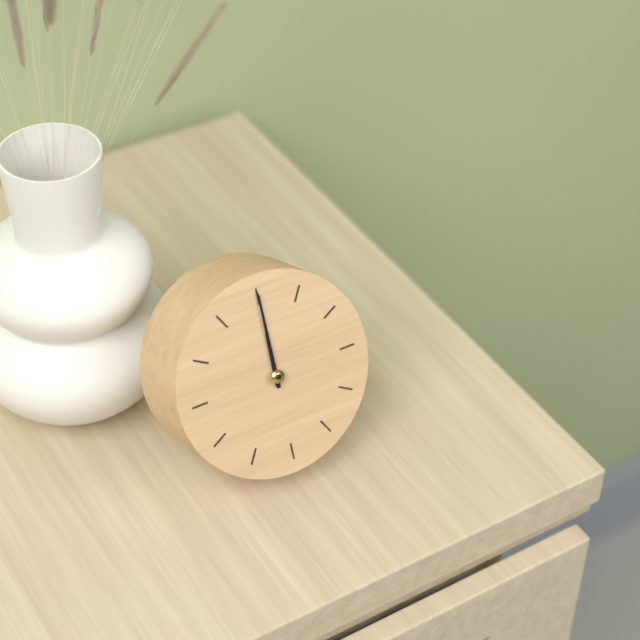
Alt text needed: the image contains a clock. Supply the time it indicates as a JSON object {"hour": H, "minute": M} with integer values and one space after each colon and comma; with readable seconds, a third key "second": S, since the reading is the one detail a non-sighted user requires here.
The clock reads {"hour": 12, "minute": 0}
